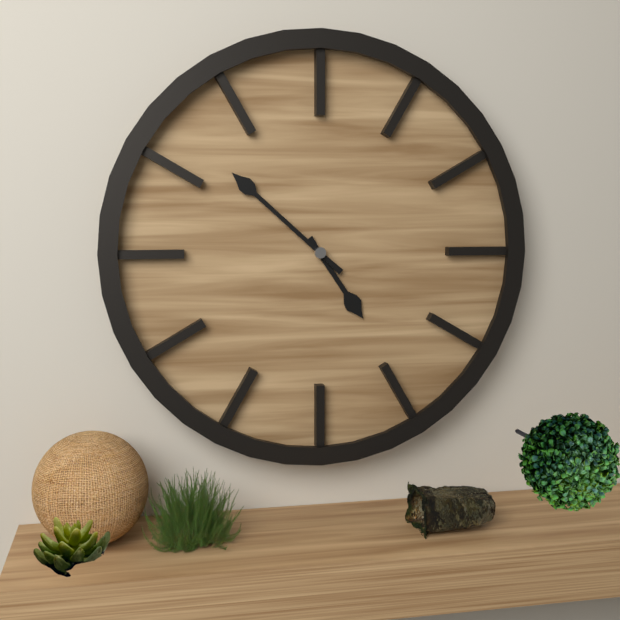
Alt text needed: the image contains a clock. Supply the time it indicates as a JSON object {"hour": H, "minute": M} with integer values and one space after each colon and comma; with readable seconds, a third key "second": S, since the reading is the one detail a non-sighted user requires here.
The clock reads {"hour": 4, "minute": 52}
